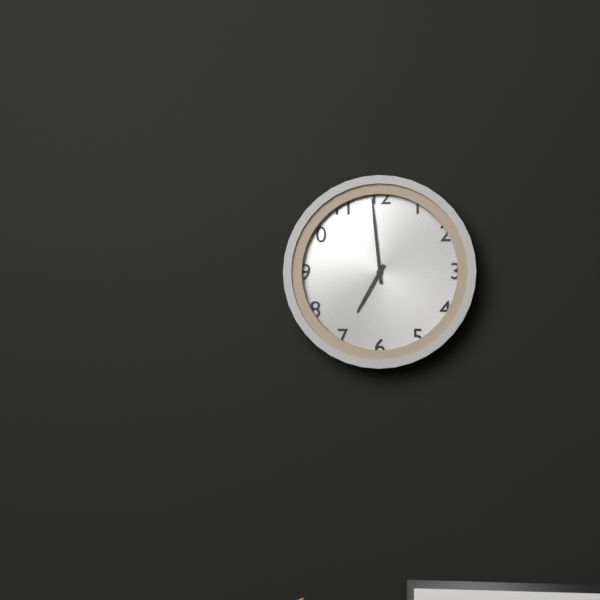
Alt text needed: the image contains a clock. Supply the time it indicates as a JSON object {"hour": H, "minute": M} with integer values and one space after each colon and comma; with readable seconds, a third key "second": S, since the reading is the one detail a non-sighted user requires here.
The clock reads {"hour": 6, "minute": 59}
